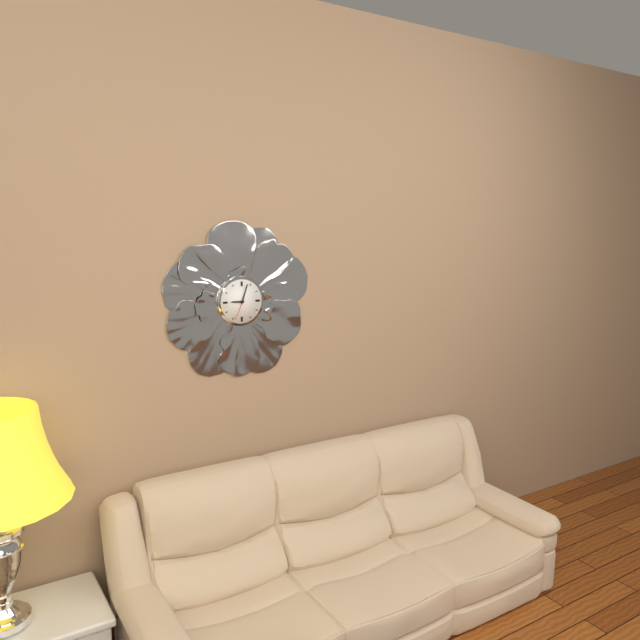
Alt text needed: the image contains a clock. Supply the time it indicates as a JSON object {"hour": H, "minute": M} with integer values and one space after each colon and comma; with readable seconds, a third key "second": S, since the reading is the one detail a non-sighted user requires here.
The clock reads {"hour": 9, "minute": 3}
